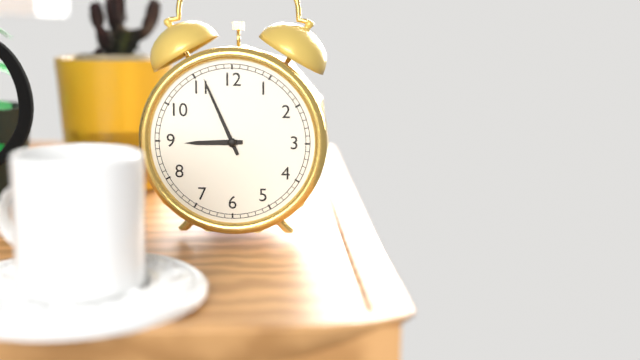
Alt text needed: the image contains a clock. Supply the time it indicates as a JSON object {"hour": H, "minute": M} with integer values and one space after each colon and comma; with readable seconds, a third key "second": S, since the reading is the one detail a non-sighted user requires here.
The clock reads {"hour": 8, "minute": 56}
